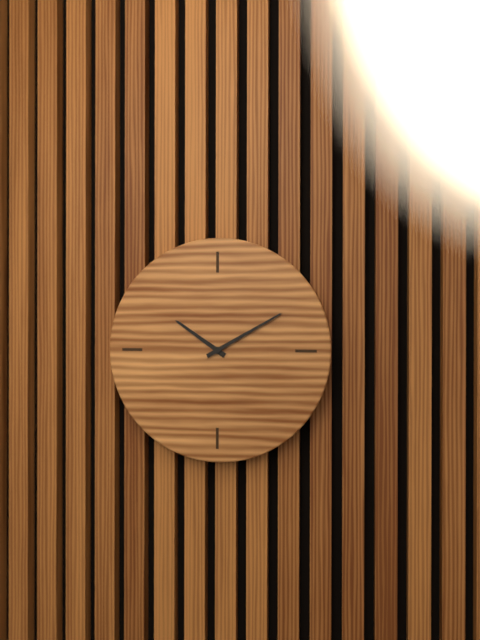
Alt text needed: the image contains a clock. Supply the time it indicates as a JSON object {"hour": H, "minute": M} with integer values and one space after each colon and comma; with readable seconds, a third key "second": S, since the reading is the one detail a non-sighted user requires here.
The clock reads {"hour": 10, "minute": 10}
